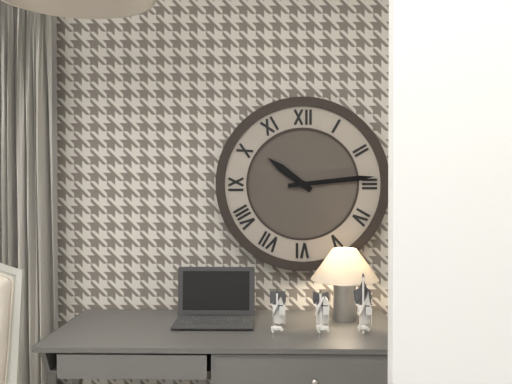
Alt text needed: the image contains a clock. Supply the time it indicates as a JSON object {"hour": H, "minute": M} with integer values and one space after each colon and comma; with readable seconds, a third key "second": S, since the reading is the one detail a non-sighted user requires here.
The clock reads {"hour": 10, "minute": 14}
